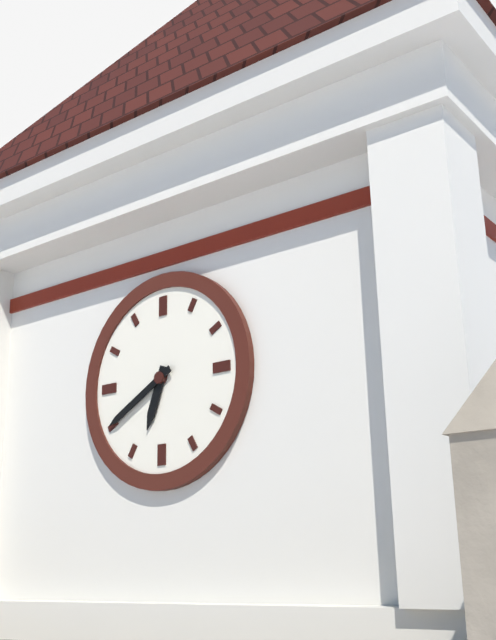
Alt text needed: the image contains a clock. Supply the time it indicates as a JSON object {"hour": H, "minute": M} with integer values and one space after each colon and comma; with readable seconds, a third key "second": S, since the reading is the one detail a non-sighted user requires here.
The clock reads {"hour": 6, "minute": 40}
